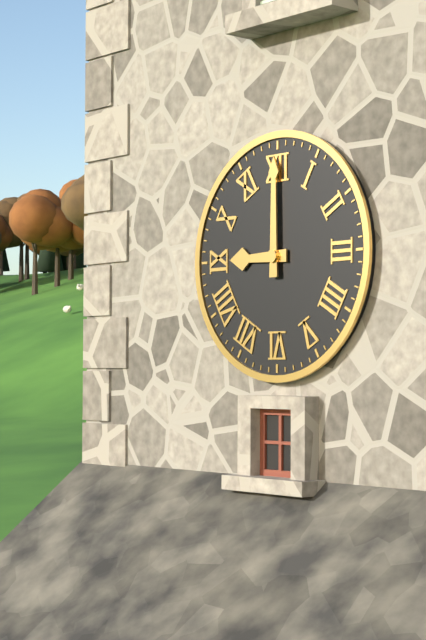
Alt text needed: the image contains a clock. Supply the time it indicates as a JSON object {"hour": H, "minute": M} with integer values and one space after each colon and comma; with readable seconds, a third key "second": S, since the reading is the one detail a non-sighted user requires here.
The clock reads {"hour": 9, "minute": 0}
